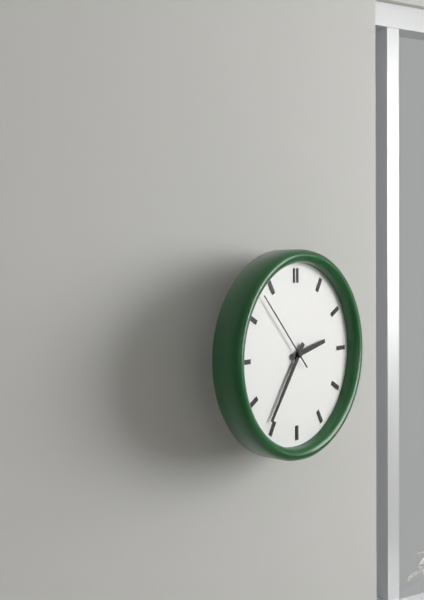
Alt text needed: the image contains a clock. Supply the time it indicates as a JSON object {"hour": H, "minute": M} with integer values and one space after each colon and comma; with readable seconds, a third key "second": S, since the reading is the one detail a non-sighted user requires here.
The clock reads {"hour": 2, "minute": 36, "second": 53}
